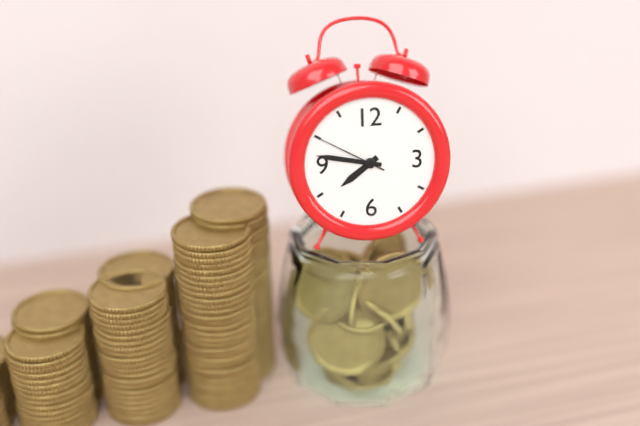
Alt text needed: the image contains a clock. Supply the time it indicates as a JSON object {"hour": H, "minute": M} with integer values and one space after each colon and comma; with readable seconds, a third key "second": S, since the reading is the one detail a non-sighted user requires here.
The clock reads {"hour": 7, "minute": 47, "second": 50}
